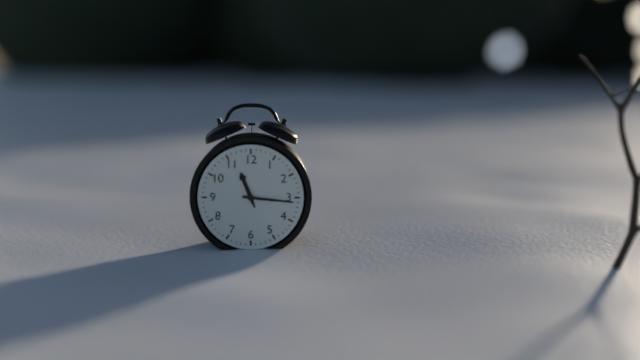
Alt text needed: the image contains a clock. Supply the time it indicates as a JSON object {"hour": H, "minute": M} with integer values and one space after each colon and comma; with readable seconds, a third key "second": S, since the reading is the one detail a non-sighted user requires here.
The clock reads {"hour": 11, "minute": 16}
